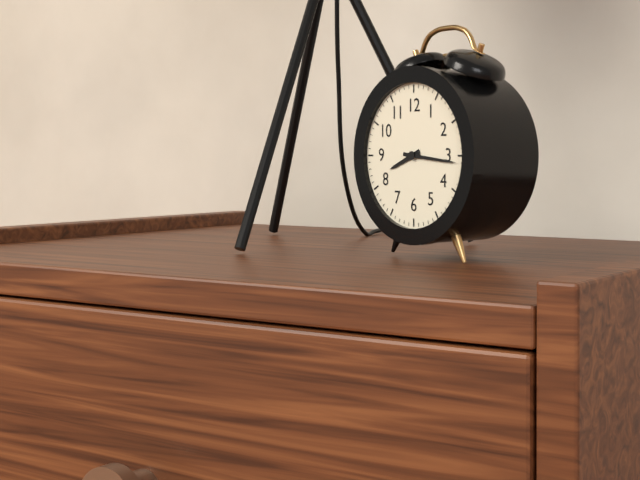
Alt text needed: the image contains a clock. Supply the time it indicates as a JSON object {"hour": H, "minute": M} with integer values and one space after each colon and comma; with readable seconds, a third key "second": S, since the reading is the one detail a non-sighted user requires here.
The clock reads {"hour": 8, "minute": 16}
